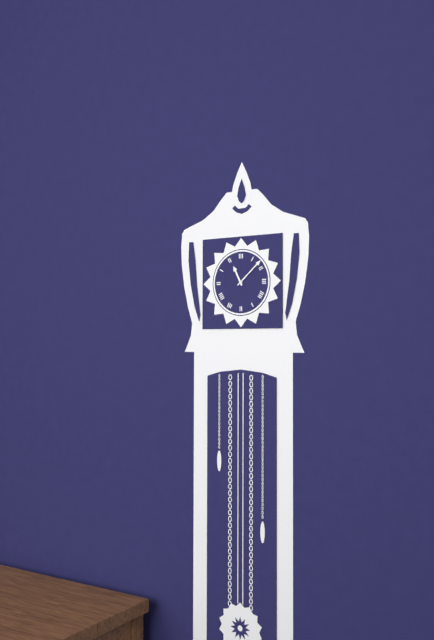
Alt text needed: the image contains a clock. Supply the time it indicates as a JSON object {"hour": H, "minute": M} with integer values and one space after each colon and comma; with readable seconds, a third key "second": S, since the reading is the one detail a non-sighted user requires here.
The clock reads {"hour": 11, "minute": 8}
